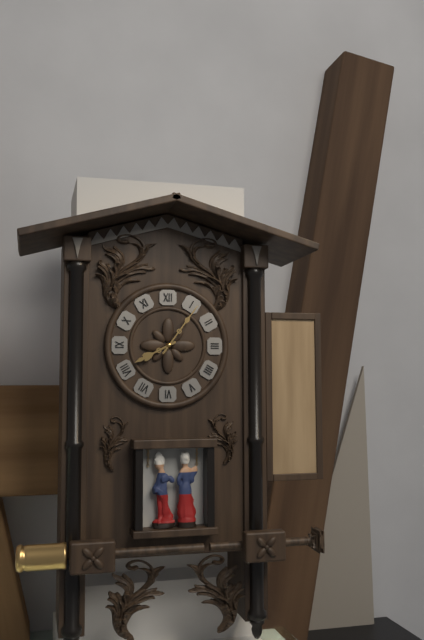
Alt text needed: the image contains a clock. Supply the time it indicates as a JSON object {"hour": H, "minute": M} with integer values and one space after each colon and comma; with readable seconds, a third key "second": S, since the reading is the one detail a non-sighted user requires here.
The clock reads {"hour": 8, "minute": 6}
